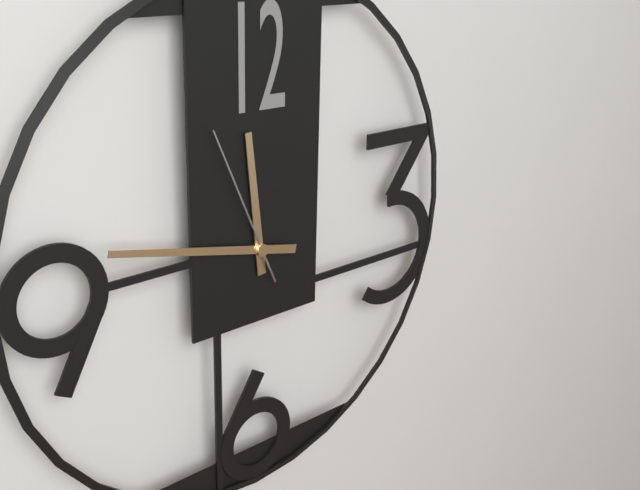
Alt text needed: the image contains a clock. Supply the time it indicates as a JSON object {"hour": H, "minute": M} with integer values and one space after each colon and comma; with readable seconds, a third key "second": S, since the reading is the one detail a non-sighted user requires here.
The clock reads {"hour": 11, "minute": 47, "second": 56}
